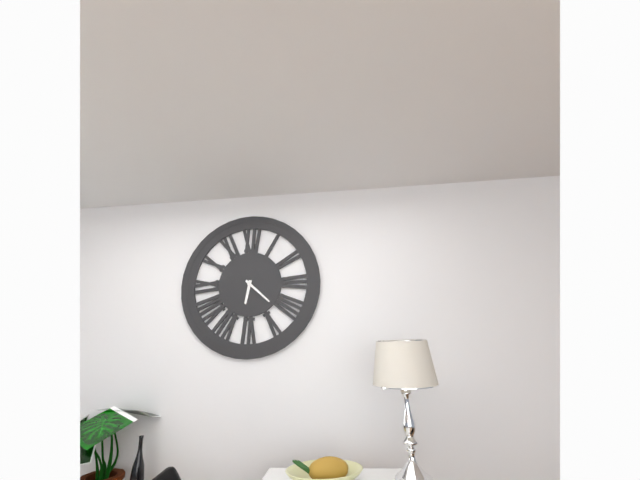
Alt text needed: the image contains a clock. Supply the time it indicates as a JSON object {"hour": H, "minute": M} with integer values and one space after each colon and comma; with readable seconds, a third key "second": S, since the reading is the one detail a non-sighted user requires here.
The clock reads {"hour": 6, "minute": 22}
